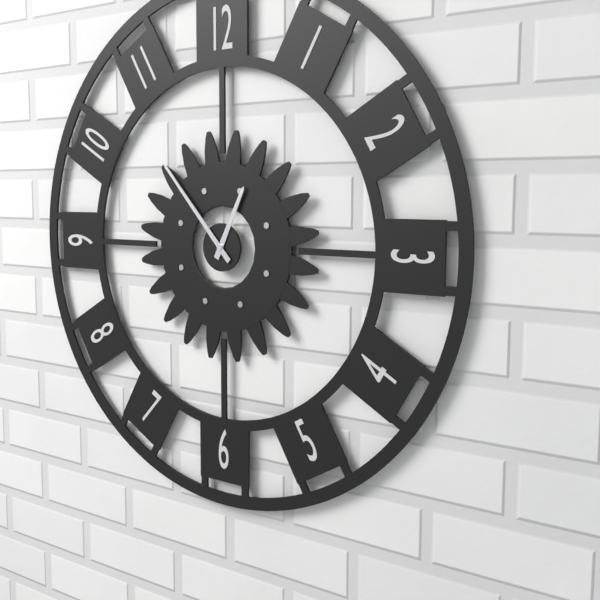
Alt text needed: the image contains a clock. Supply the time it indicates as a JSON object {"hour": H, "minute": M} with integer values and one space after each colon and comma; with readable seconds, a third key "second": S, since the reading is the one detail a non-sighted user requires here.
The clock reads {"hour": 12, "minute": 53}
